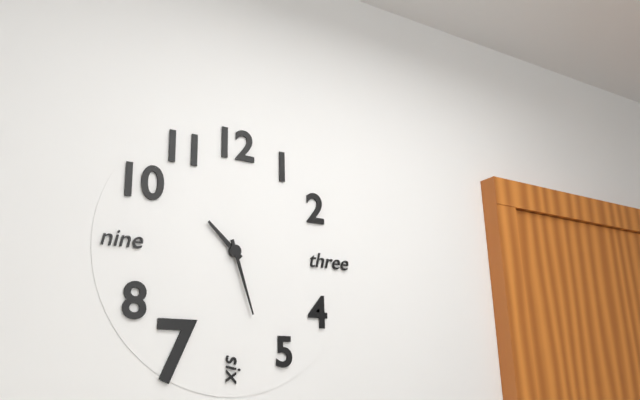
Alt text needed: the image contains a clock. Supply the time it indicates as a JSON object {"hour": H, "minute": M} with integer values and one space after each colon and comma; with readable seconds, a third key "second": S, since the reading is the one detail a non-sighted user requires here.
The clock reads {"hour": 10, "minute": 27}
